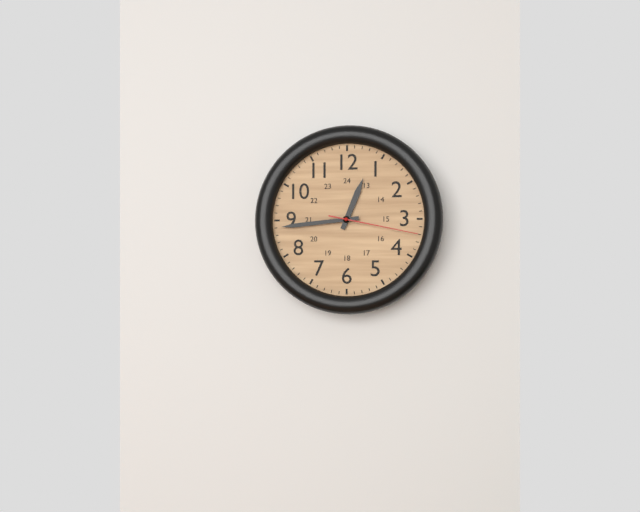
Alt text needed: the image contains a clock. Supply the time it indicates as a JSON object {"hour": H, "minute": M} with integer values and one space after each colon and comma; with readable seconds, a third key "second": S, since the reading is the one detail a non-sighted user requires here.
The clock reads {"hour": 12, "minute": 44, "second": 17}
